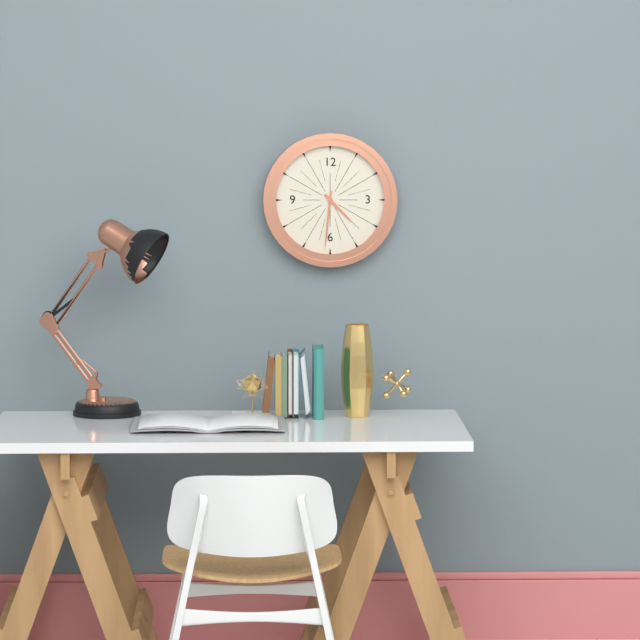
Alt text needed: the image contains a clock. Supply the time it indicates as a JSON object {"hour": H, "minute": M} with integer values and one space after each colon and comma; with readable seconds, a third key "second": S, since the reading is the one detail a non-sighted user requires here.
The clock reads {"hour": 4, "minute": 31}
